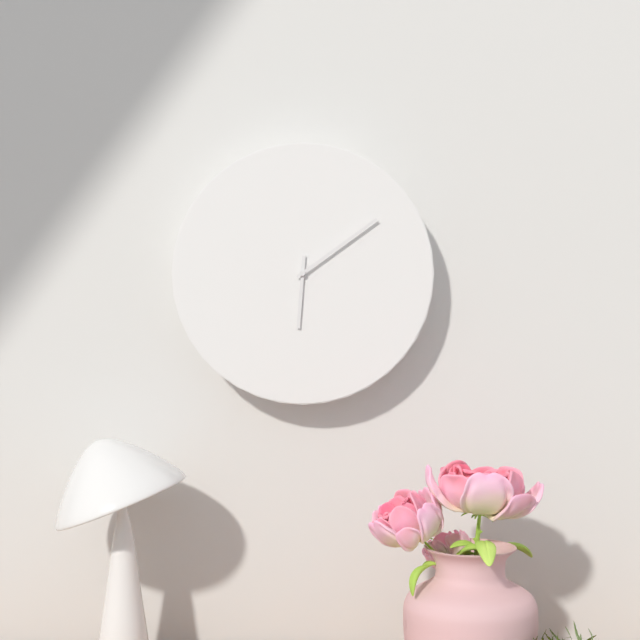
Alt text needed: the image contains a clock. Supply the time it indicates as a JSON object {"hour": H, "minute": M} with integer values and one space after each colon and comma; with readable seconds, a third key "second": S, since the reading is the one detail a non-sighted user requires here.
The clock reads {"hour": 6, "minute": 9}
